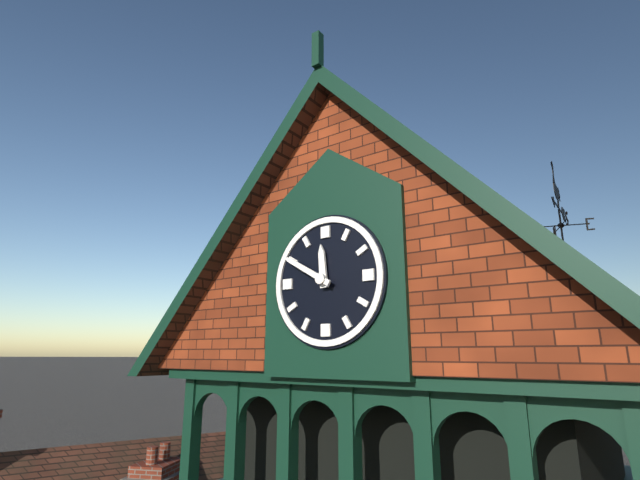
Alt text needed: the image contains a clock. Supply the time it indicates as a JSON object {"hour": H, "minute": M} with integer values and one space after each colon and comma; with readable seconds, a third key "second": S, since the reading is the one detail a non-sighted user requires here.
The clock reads {"hour": 11, "minute": 50}
